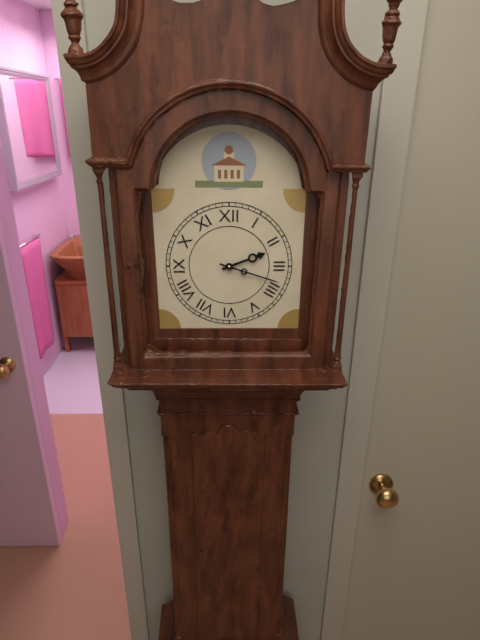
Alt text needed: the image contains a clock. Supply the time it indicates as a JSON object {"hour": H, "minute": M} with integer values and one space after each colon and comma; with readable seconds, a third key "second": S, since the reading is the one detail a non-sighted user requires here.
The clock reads {"hour": 2, "minute": 18}
